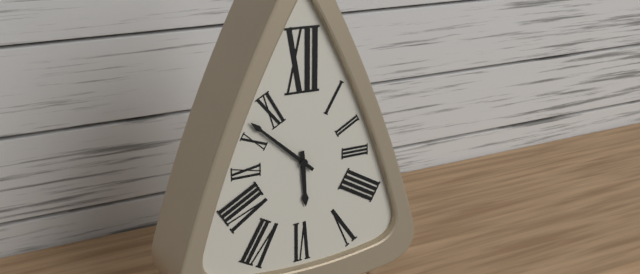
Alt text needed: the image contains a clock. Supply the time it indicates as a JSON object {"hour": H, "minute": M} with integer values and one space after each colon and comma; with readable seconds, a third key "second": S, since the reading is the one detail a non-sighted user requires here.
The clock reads {"hour": 5, "minute": 52}
